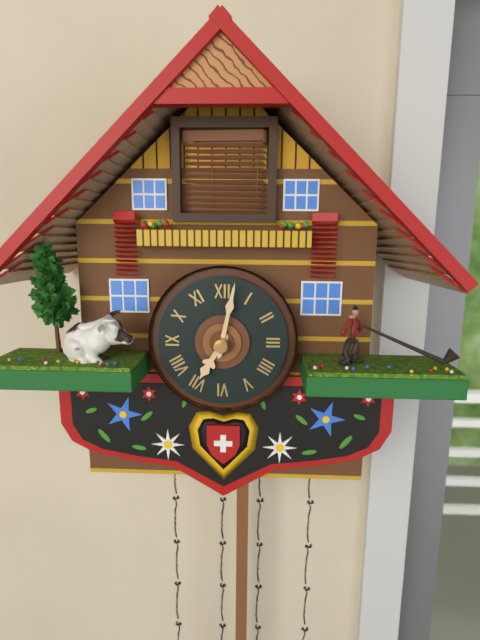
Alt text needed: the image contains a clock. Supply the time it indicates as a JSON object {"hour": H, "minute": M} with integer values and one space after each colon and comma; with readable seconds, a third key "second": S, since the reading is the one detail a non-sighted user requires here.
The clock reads {"hour": 7, "minute": 2}
